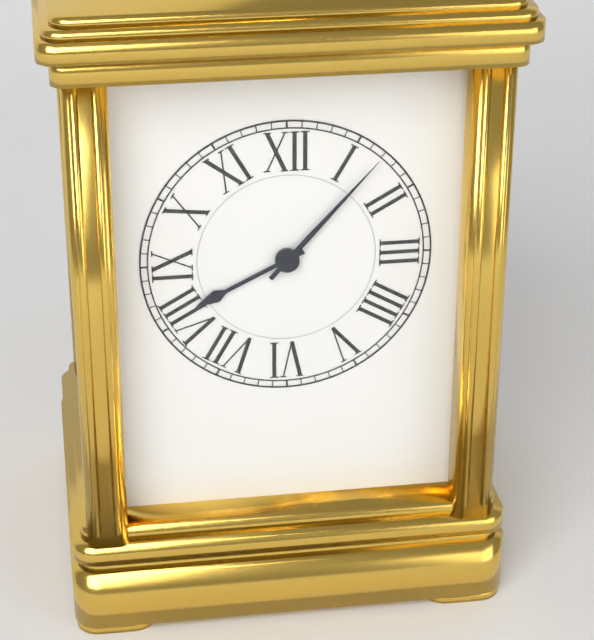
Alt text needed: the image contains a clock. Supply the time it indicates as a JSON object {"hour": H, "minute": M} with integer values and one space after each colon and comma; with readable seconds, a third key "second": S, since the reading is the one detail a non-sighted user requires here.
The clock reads {"hour": 8, "minute": 7}
